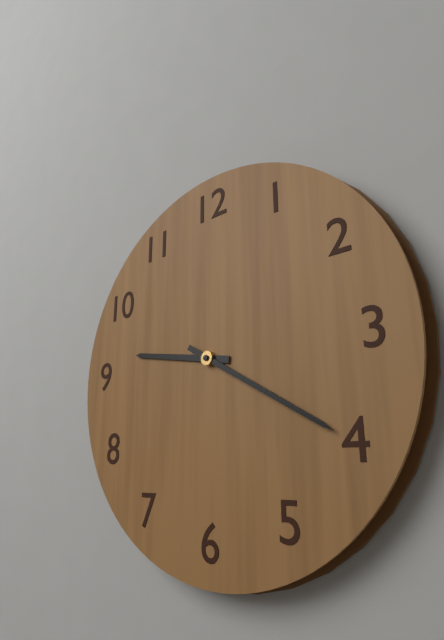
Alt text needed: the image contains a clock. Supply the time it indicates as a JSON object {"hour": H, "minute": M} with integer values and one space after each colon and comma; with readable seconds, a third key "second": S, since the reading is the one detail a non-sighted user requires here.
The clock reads {"hour": 9, "minute": 20}
